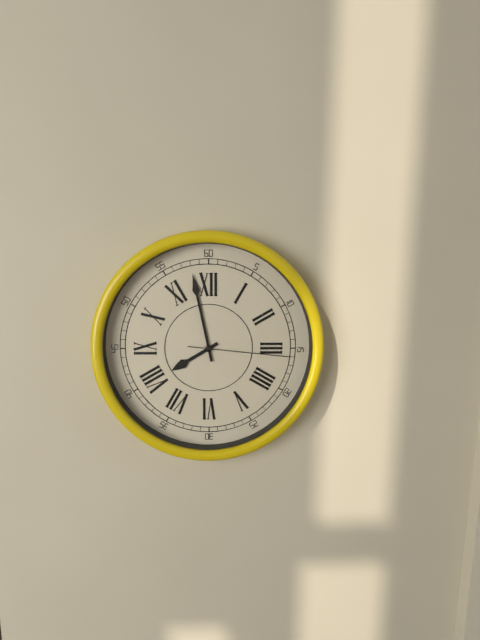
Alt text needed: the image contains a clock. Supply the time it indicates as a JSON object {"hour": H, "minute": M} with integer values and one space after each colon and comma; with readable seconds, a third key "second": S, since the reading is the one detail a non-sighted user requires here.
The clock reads {"hour": 7, "minute": 58, "second": 16}
